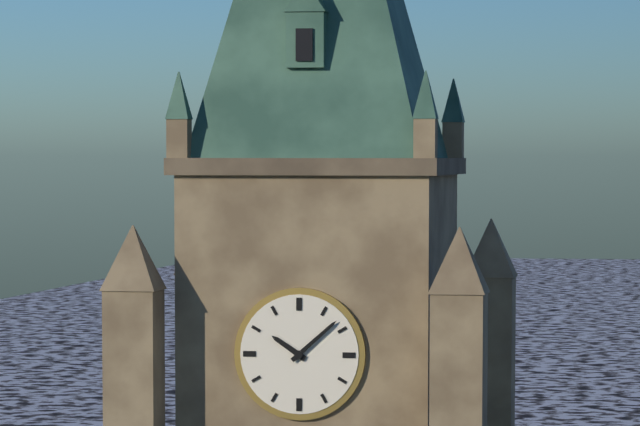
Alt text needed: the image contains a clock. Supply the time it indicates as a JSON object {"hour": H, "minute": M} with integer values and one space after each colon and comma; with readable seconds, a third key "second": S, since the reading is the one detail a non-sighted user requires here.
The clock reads {"hour": 10, "minute": 8}
